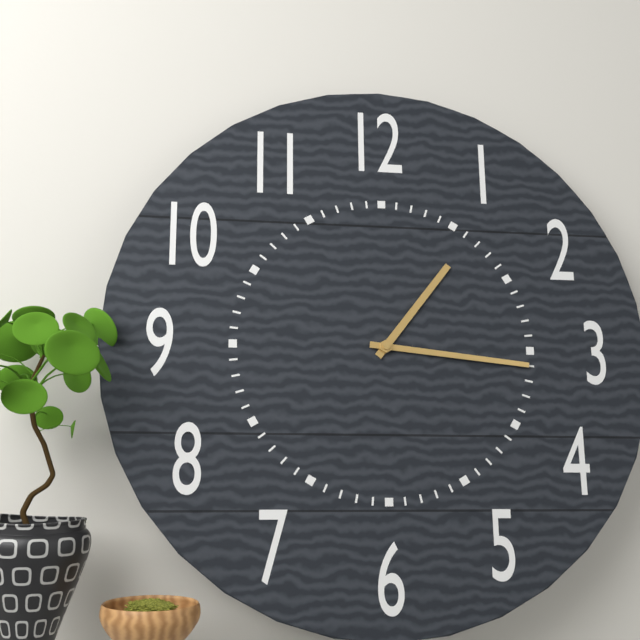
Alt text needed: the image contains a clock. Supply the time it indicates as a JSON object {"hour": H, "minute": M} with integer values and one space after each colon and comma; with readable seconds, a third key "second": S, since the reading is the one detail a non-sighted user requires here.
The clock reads {"hour": 1, "minute": 16}
